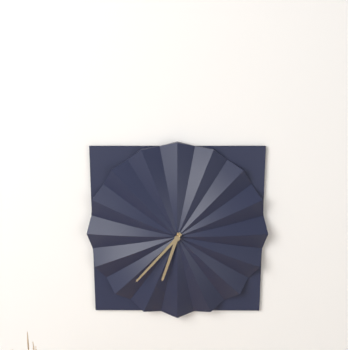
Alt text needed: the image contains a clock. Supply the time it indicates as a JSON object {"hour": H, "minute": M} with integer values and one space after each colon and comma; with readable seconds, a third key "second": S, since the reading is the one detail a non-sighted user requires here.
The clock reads {"hour": 6, "minute": 37}
